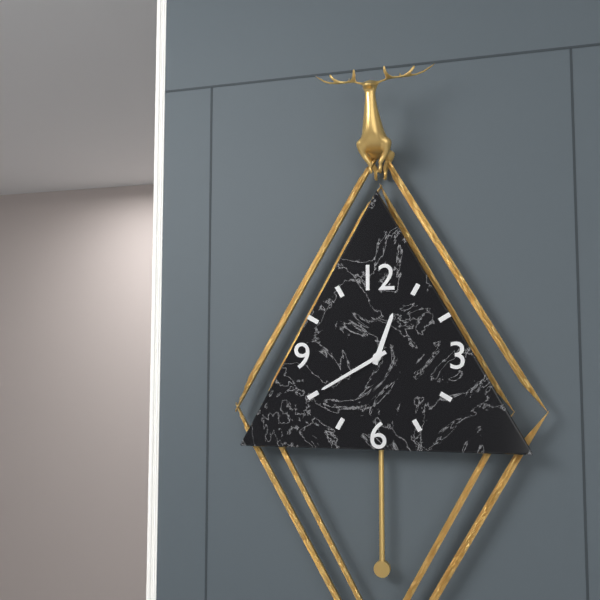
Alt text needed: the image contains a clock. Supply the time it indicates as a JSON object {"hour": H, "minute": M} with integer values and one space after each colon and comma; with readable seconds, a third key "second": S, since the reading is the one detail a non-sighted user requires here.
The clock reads {"hour": 12, "minute": 40}
